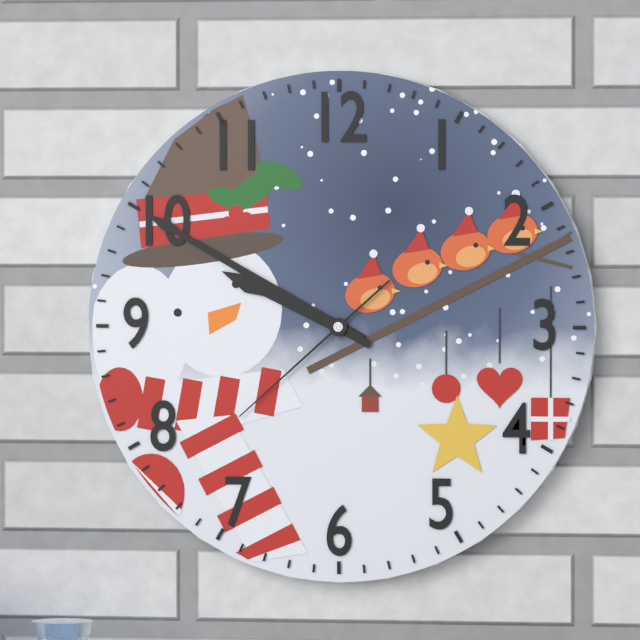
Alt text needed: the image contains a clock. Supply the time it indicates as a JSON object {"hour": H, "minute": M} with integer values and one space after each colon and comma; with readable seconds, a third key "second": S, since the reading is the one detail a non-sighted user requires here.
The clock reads {"hour": 9, "minute": 50, "second": 38}
